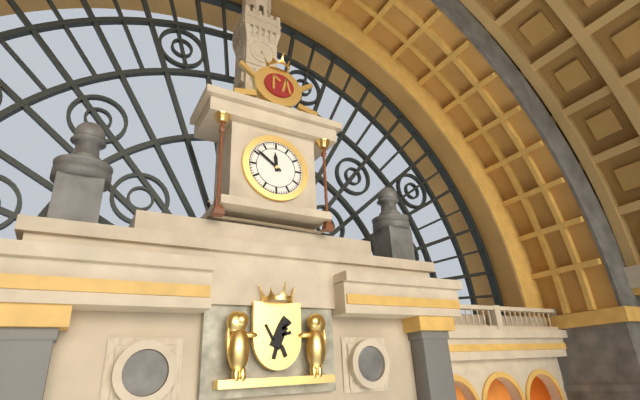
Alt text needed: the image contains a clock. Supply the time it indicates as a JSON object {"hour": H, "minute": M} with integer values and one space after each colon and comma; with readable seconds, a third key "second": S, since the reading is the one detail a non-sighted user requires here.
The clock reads {"hour": 11, "minute": 51}
